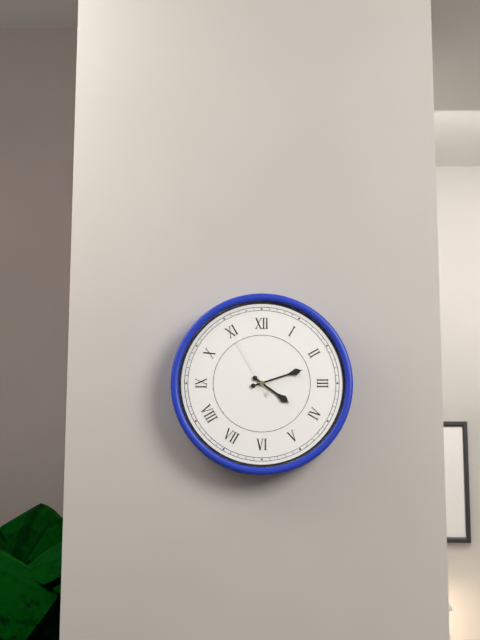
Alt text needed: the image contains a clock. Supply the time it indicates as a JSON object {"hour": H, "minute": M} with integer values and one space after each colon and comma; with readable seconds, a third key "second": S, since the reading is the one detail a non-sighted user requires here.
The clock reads {"hour": 4, "minute": 12, "second": 55}
